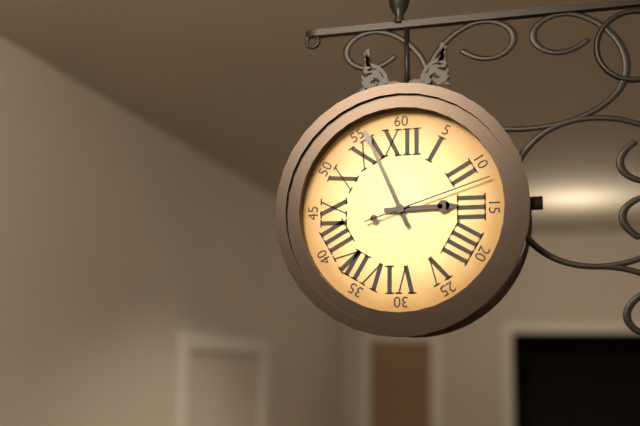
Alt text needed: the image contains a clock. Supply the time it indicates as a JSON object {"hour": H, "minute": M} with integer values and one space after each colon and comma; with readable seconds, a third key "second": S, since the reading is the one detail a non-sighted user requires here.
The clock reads {"hour": 2, "minute": 56, "second": 12}
